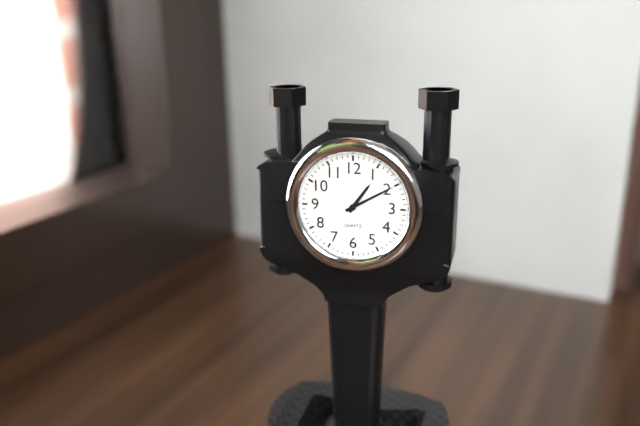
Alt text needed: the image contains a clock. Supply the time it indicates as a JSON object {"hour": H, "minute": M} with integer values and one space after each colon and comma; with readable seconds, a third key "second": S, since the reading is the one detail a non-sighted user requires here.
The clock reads {"hour": 1, "minute": 10}
